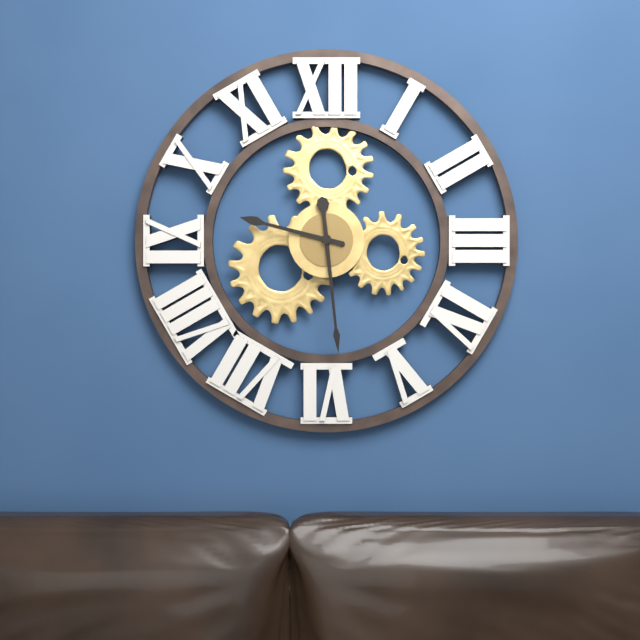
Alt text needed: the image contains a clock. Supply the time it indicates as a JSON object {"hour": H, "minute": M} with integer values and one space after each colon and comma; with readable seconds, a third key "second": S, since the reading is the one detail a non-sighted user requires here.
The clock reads {"hour": 9, "minute": 29}
